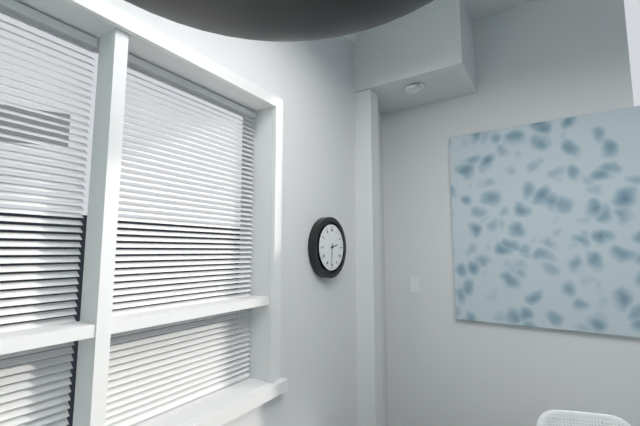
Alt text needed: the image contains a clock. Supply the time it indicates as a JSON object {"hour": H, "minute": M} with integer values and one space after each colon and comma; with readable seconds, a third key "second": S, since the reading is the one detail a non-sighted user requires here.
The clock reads {"hour": 2, "minute": 31}
